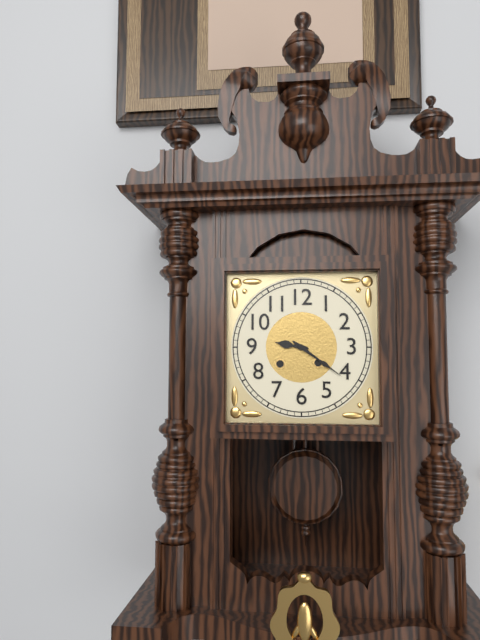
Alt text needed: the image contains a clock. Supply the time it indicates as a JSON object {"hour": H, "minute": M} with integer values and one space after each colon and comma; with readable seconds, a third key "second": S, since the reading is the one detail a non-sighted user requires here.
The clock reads {"hour": 9, "minute": 21}
